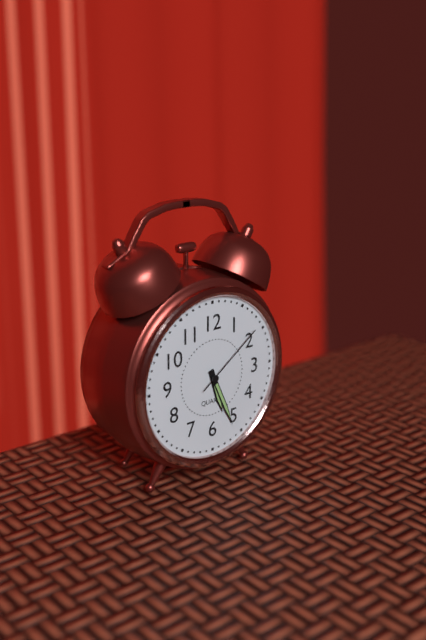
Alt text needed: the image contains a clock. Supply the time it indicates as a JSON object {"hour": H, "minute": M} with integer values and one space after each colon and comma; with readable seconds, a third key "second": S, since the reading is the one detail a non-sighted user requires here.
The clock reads {"hour": 5, "minute": 26, "second": 9}
